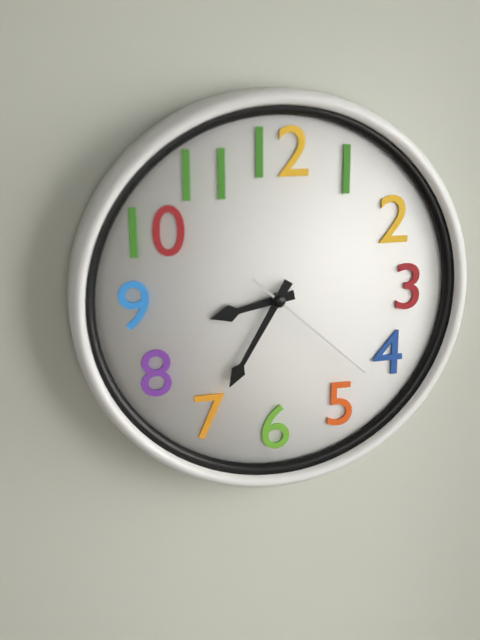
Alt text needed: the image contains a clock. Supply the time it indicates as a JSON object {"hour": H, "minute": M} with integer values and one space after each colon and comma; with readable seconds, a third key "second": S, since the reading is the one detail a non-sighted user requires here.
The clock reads {"hour": 8, "minute": 35, "second": 22}
